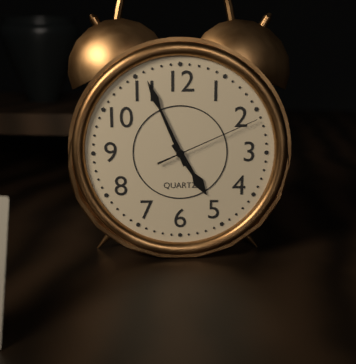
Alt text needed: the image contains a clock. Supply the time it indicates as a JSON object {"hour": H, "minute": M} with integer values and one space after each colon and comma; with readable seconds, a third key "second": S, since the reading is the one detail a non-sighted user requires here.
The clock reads {"hour": 4, "minute": 56, "second": 11}
